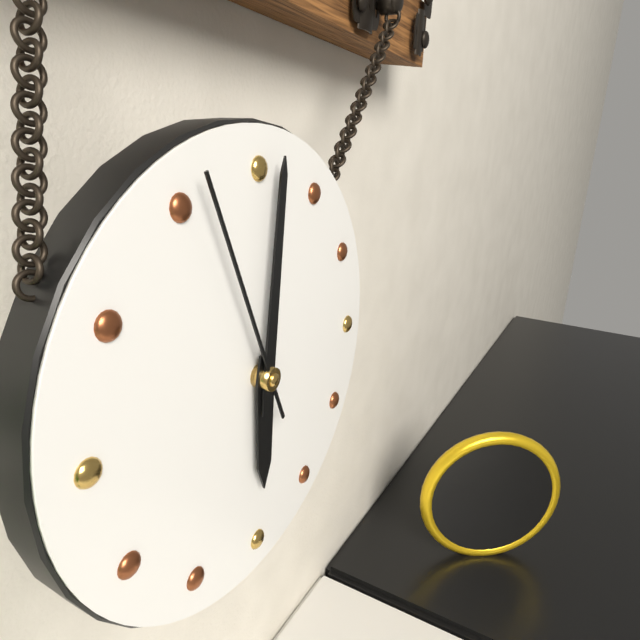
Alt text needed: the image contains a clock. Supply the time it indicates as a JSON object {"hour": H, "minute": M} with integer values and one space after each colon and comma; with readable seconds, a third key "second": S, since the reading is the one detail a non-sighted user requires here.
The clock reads {"hour": 6, "minute": 1, "second": 56}
